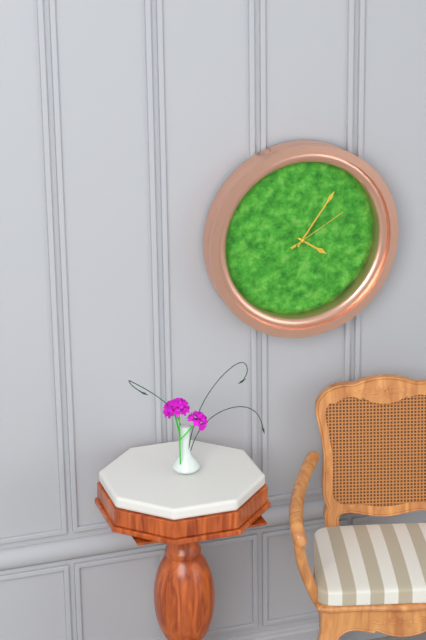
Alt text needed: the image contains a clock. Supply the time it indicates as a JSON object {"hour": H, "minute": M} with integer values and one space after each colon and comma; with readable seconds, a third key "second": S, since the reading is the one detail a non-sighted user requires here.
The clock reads {"hour": 4, "minute": 6, "second": 10}
